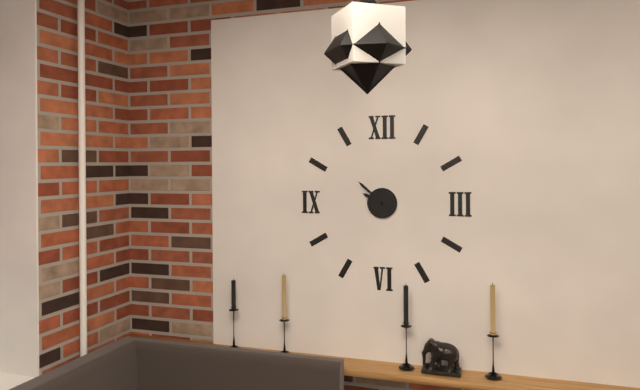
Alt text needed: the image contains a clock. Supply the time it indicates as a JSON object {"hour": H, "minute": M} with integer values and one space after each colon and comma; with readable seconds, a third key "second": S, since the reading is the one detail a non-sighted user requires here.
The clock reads {"hour": 9, "minute": 52}
